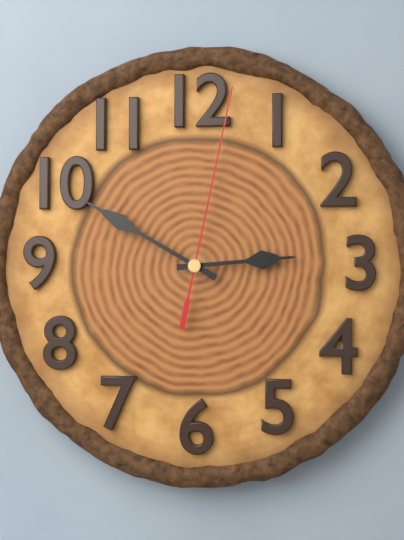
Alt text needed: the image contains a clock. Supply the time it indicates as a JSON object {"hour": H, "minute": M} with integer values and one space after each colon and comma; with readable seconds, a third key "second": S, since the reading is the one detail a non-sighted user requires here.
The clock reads {"hour": 2, "minute": 50, "second": 2}
